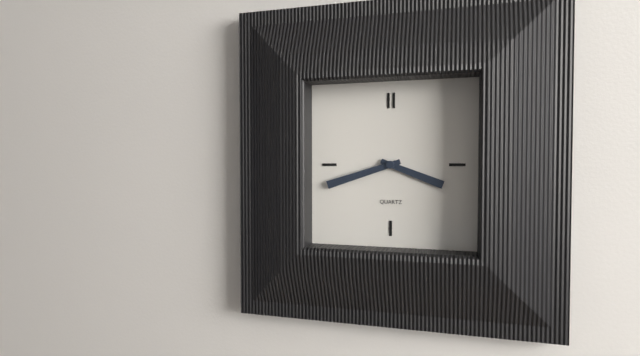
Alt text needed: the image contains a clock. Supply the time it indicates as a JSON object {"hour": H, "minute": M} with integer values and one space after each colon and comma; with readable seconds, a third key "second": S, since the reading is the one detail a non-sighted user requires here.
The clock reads {"hour": 3, "minute": 42}
